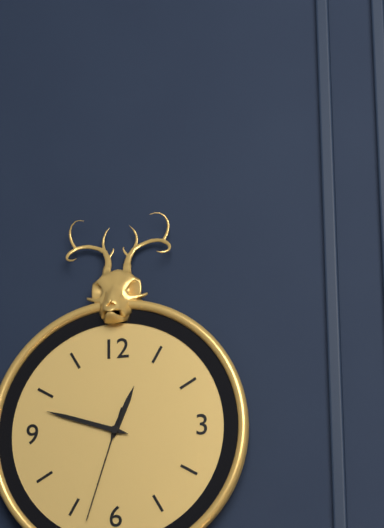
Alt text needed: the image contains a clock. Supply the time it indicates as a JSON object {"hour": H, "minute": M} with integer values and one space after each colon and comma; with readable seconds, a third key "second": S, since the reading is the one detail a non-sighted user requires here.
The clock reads {"hour": 12, "minute": 48, "second": 33}
